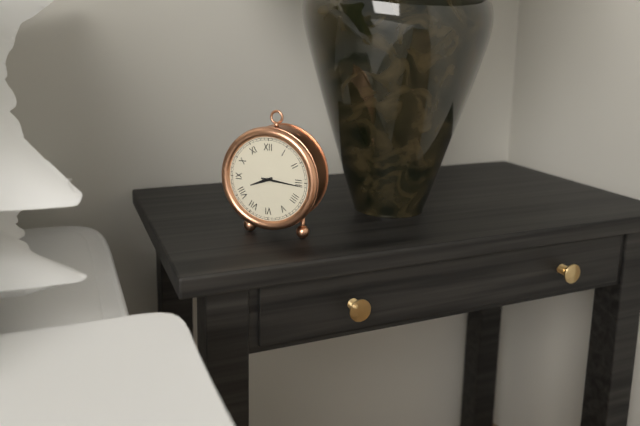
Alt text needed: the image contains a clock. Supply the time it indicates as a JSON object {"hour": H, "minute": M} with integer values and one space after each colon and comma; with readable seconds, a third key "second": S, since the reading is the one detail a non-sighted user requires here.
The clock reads {"hour": 8, "minute": 16}
